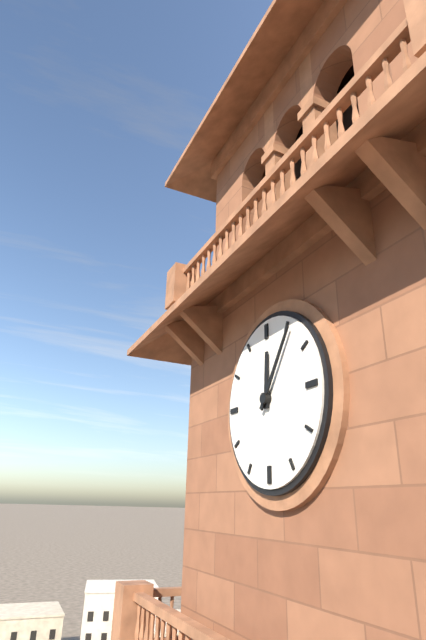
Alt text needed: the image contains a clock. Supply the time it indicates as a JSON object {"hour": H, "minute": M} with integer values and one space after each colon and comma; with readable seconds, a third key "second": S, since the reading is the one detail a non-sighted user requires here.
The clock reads {"hour": 12, "minute": 6}
